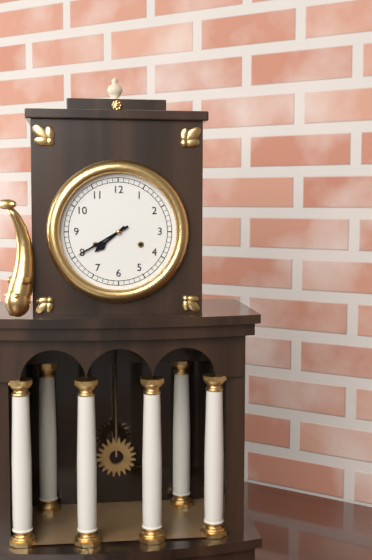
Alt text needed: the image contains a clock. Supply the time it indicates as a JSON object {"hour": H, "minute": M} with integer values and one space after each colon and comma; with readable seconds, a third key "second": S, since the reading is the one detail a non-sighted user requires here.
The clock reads {"hour": 7, "minute": 40}
